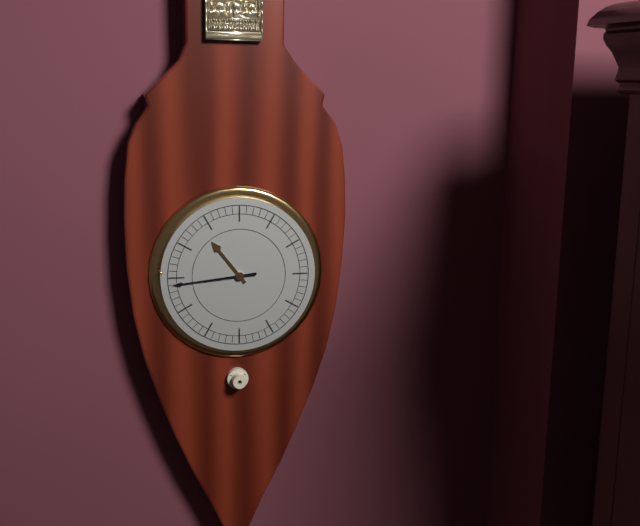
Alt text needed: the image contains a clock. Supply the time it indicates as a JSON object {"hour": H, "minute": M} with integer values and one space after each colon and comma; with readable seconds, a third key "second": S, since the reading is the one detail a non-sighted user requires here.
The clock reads {"hour": 10, "minute": 44}
